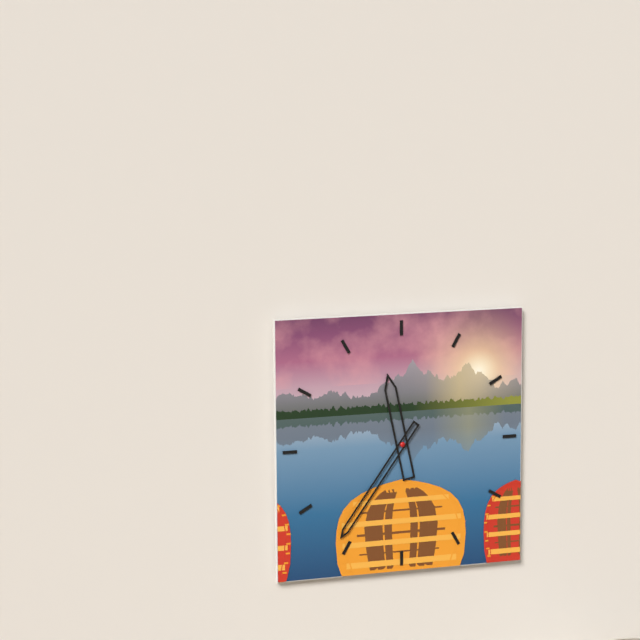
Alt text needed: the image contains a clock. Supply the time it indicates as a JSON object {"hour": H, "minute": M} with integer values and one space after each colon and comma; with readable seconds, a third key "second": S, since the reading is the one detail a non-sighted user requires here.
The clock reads {"hour": 11, "minute": 36}
